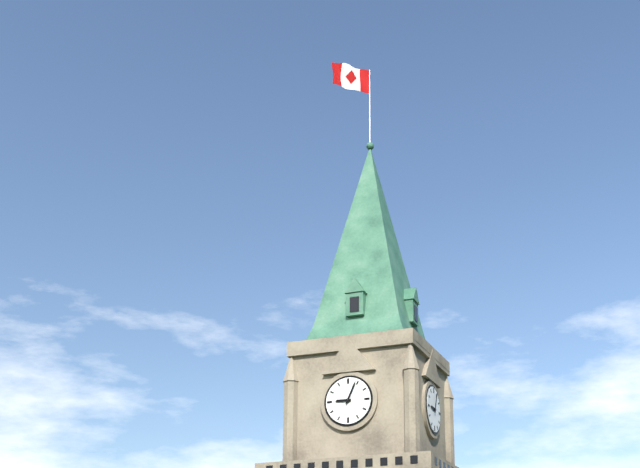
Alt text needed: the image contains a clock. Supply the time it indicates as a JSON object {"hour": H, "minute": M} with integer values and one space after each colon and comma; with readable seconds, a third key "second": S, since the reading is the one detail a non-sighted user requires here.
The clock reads {"hour": 9, "minute": 4}
